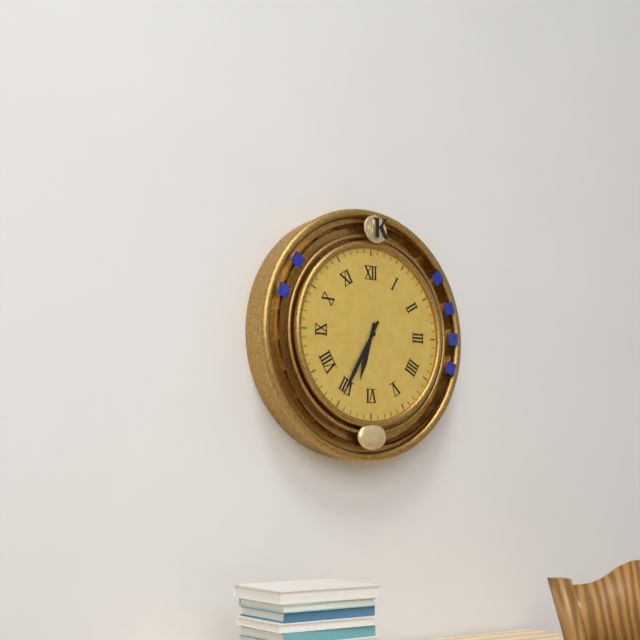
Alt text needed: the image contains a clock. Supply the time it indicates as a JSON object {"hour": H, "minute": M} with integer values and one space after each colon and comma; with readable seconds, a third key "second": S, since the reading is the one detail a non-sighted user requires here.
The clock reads {"hour": 6, "minute": 35}
